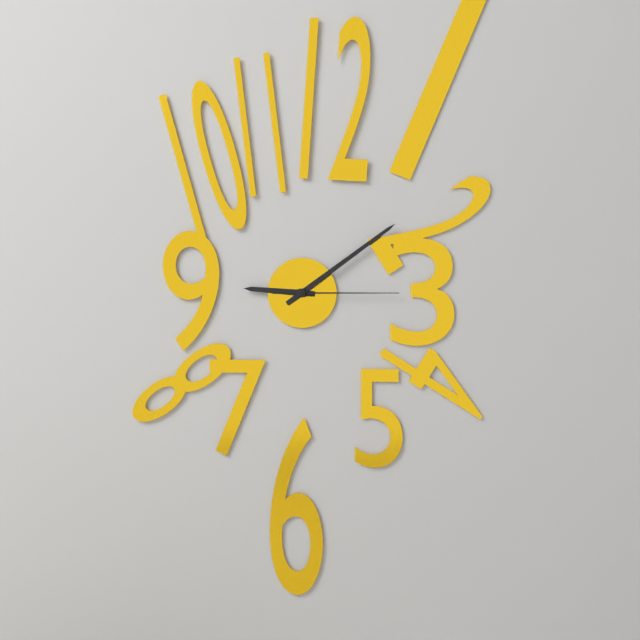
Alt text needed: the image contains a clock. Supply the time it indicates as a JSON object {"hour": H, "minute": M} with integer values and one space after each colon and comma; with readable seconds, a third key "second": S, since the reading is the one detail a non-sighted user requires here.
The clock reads {"hour": 9, "minute": 9, "second": 15}
